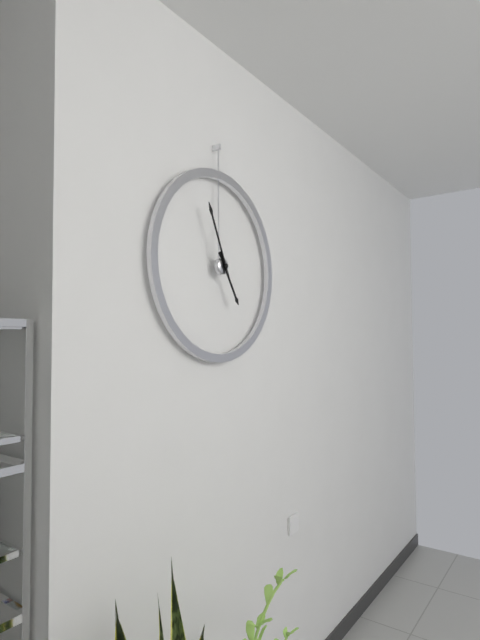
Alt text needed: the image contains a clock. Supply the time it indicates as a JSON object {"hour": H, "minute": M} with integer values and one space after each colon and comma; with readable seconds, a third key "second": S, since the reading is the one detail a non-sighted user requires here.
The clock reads {"hour": 4, "minute": 56}
